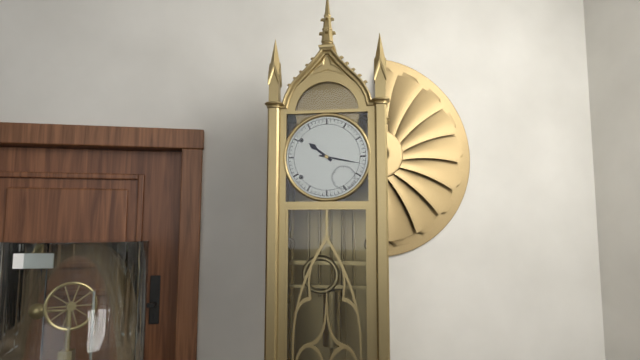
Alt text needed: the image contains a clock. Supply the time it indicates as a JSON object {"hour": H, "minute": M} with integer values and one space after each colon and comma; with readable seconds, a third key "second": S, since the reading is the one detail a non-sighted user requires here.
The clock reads {"hour": 10, "minute": 17}
